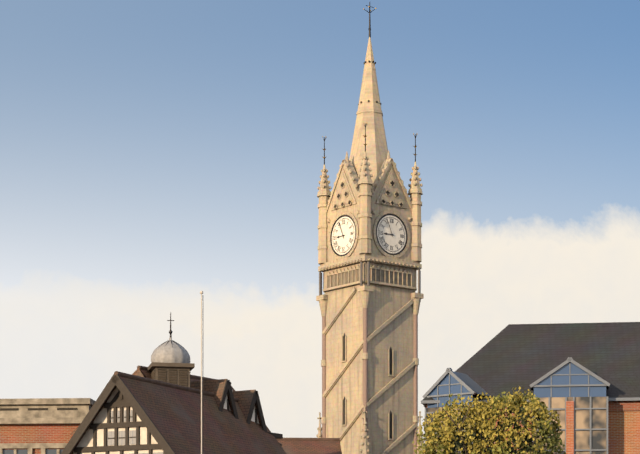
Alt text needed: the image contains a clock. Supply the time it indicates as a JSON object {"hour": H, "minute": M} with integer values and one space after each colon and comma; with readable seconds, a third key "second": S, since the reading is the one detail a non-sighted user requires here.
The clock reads {"hour": 8, "minute": 56}
